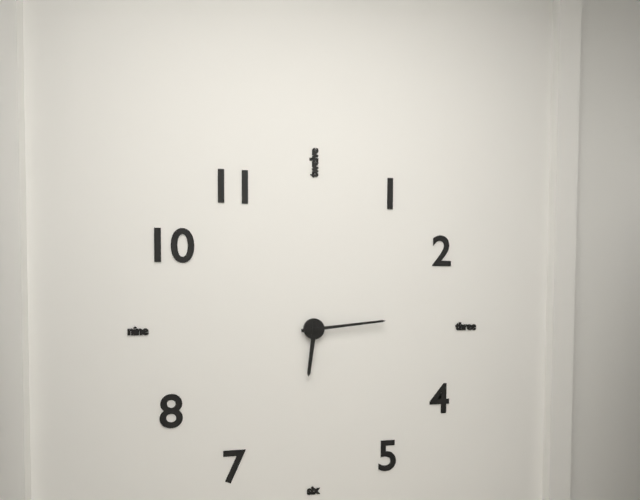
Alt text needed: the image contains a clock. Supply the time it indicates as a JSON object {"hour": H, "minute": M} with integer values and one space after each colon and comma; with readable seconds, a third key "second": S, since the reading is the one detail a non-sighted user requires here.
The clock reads {"hour": 6, "minute": 14}
